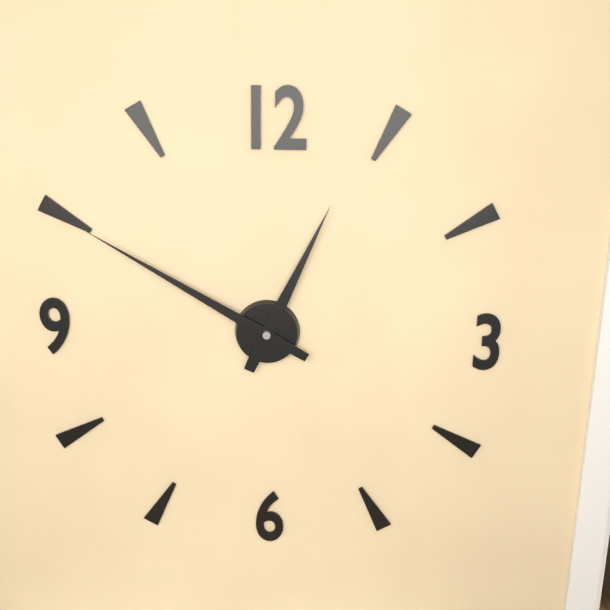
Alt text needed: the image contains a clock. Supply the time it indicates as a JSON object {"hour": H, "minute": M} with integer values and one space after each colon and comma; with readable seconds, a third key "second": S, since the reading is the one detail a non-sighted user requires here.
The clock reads {"hour": 12, "minute": 50}
